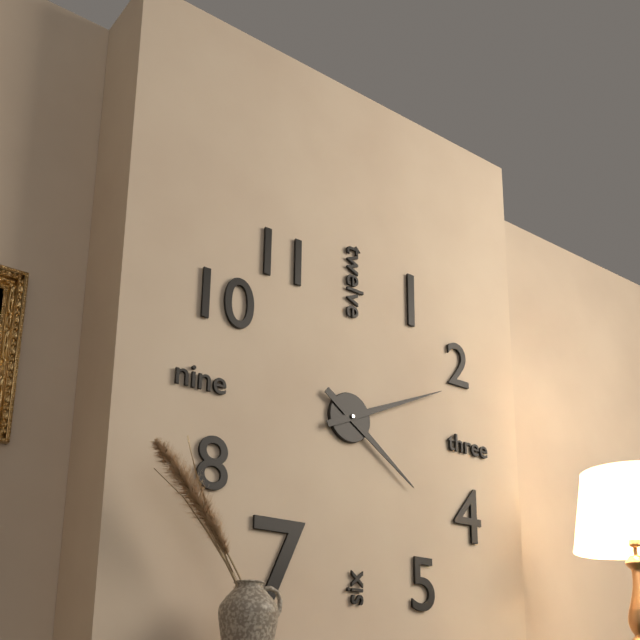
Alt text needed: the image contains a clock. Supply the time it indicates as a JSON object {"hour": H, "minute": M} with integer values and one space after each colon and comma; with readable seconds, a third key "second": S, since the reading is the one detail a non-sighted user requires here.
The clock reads {"hour": 4, "minute": 11}
